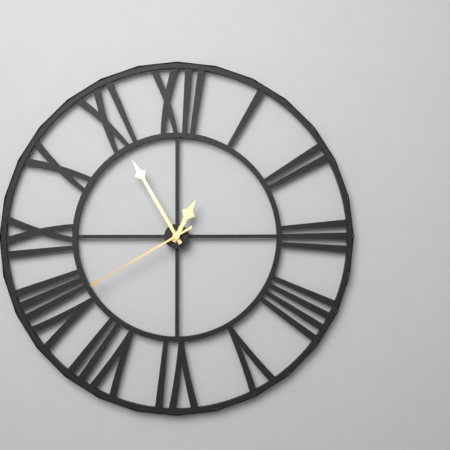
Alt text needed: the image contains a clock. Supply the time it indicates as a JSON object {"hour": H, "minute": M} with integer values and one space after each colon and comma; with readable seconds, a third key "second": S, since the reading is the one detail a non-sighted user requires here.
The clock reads {"hour": 12, "minute": 55, "second": 40}
